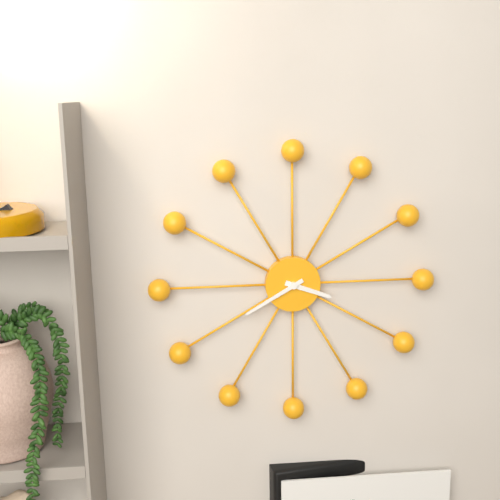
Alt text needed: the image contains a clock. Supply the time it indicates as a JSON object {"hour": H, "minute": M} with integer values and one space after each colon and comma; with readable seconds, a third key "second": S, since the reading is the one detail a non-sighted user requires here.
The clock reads {"hour": 3, "minute": 40}
